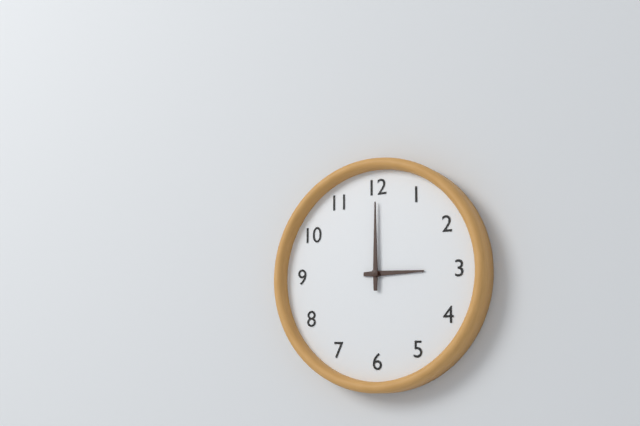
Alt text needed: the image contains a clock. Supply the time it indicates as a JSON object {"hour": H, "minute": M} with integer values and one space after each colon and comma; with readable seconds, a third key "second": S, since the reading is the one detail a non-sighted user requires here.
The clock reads {"hour": 3, "minute": 0}
